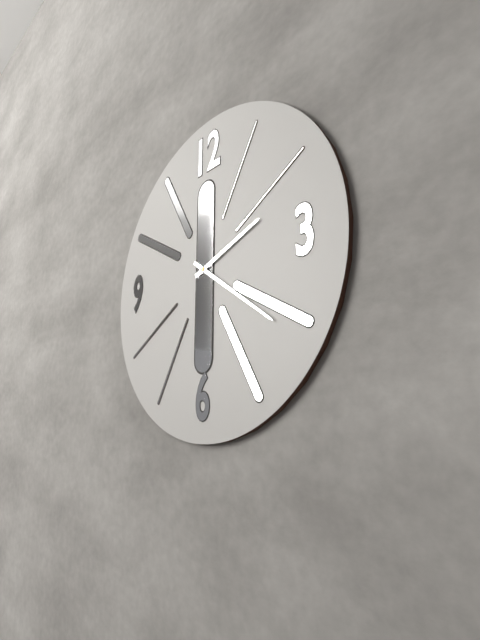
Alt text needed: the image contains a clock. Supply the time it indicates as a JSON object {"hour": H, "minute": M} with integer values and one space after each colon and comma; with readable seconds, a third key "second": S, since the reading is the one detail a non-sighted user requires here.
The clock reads {"hour": 2, "minute": 21}
